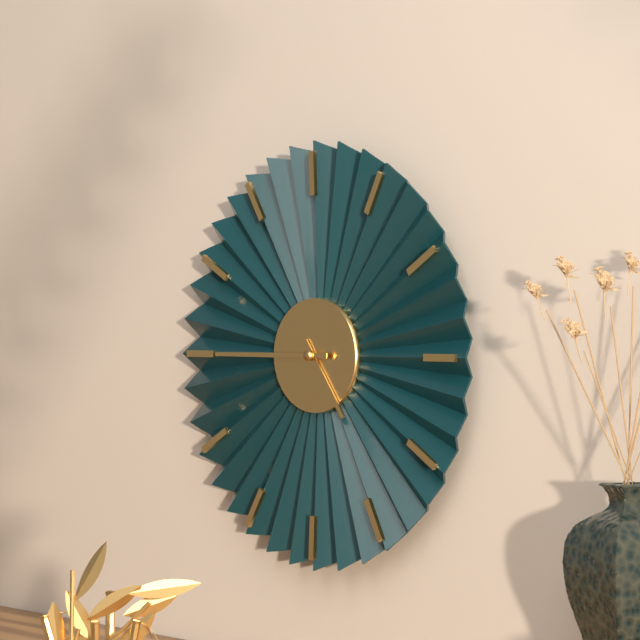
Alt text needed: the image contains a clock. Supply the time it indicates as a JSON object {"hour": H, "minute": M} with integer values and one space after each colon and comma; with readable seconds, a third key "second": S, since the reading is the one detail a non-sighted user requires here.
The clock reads {"hour": 4, "minute": 45}
